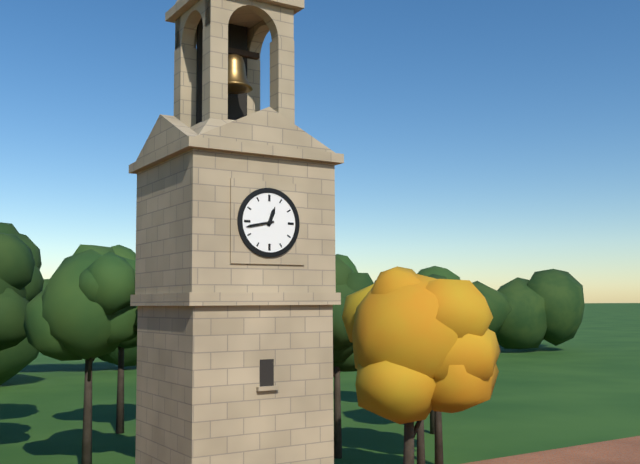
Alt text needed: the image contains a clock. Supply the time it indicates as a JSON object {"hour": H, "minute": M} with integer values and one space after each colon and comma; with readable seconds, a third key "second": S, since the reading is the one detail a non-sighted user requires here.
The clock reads {"hour": 12, "minute": 43}
